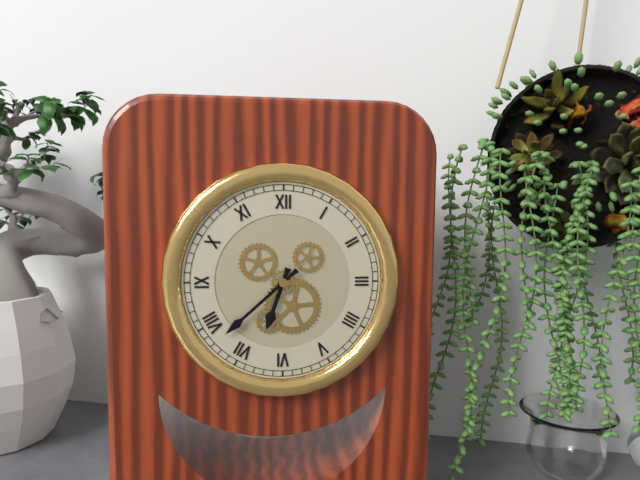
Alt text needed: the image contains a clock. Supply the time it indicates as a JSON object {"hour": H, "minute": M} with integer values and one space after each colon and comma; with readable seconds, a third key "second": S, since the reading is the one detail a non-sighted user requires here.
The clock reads {"hour": 6, "minute": 38}
